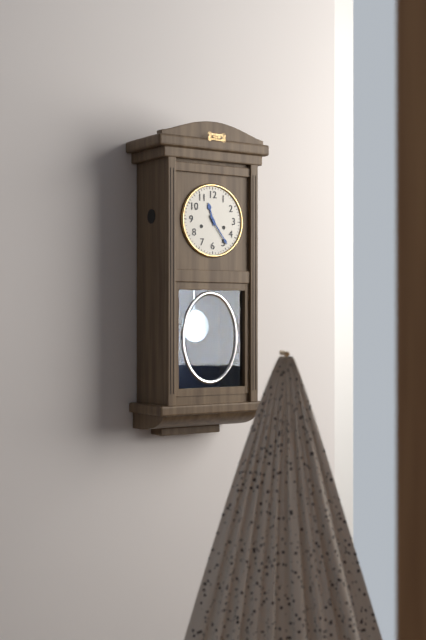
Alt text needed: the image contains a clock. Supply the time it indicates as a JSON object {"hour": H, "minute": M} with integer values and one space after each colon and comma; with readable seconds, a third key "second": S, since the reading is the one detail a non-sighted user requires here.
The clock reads {"hour": 11, "minute": 24}
